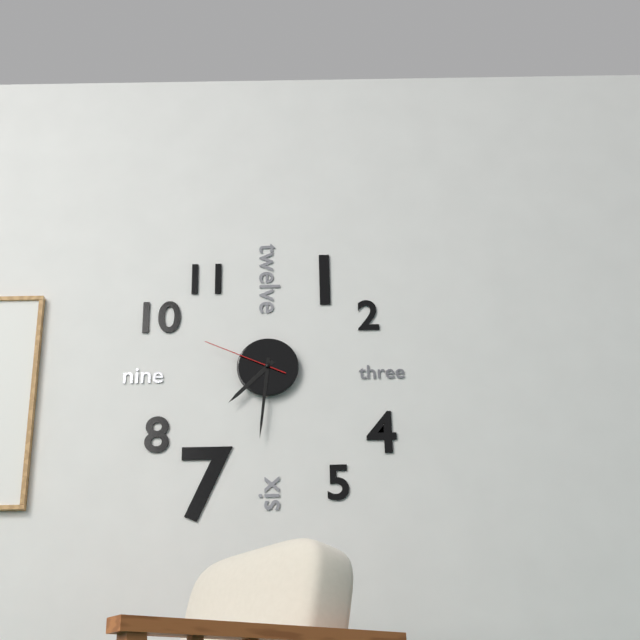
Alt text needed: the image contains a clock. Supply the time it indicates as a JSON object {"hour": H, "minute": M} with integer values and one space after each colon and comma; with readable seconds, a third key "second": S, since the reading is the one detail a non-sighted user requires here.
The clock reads {"hour": 7, "minute": 31, "second": 49}
